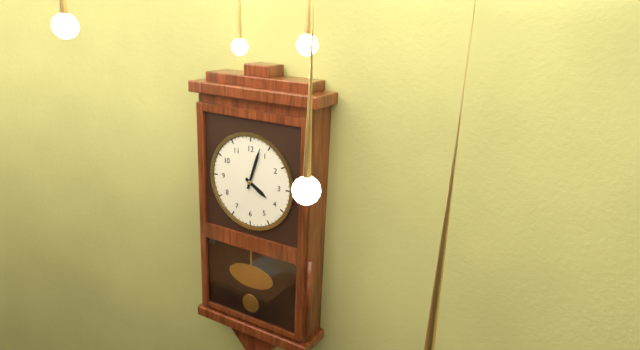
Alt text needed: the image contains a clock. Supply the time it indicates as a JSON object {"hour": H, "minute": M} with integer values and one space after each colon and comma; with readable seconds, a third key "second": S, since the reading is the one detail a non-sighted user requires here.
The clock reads {"hour": 4, "minute": 3}
